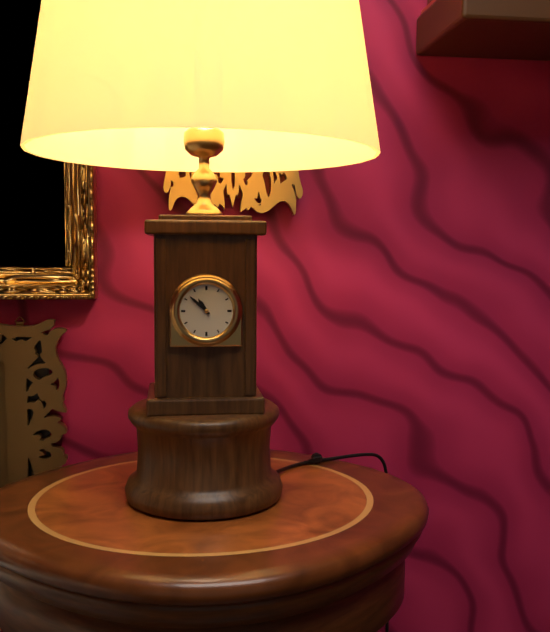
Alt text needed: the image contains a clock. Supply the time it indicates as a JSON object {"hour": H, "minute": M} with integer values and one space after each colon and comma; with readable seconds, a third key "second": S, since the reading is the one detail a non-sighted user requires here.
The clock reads {"hour": 10, "minute": 52}
